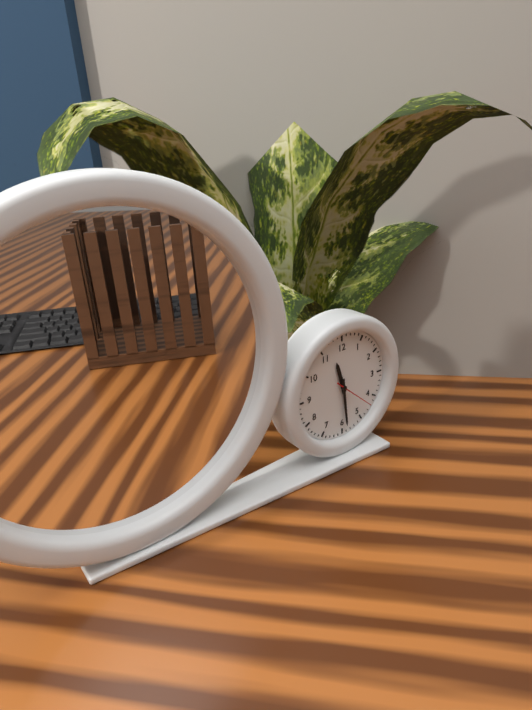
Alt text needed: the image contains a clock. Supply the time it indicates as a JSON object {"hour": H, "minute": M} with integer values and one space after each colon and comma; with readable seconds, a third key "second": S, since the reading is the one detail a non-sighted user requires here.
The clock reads {"hour": 11, "minute": 29, "second": 22}
